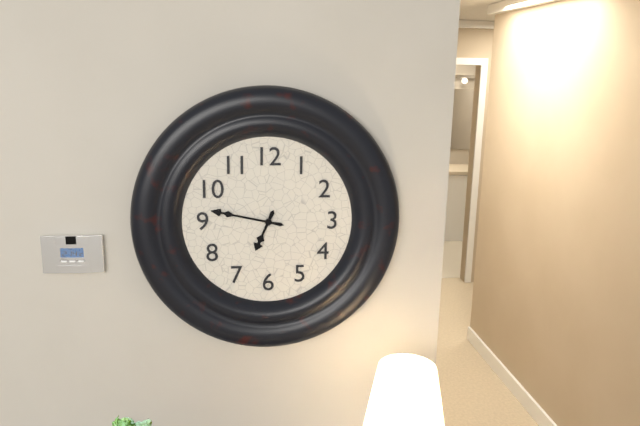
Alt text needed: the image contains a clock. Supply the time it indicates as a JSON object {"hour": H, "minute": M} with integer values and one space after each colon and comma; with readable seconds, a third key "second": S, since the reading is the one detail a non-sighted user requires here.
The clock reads {"hour": 6, "minute": 47}
